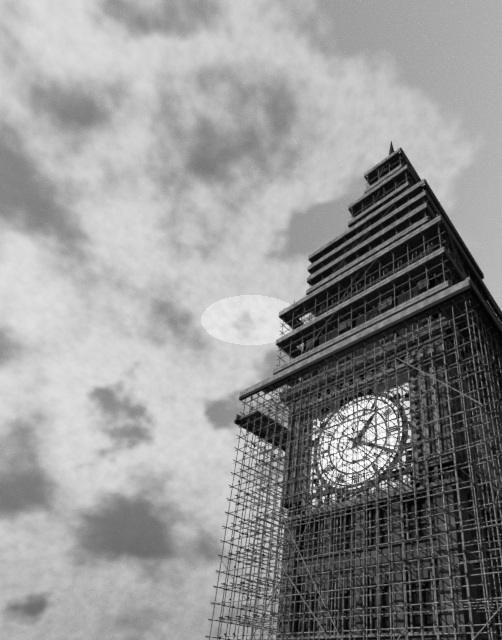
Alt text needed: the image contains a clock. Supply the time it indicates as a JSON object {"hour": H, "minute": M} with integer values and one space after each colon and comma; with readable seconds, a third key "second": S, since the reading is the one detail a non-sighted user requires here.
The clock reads {"hour": 1, "minute": 20}
